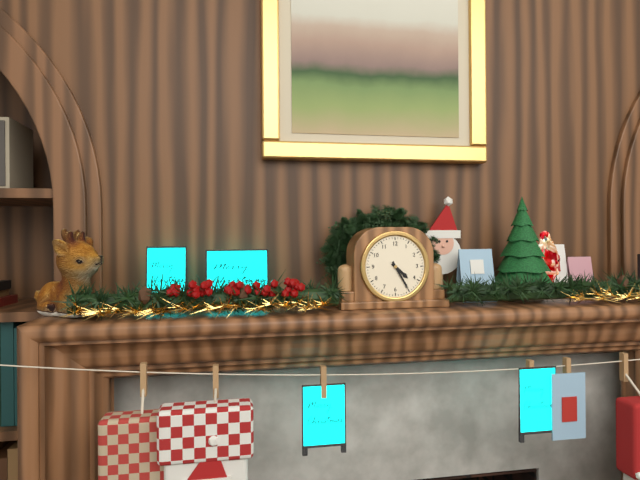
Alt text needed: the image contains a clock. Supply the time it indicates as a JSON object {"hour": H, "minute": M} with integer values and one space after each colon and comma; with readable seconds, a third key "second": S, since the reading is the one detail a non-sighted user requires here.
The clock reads {"hour": 4, "minute": 25}
